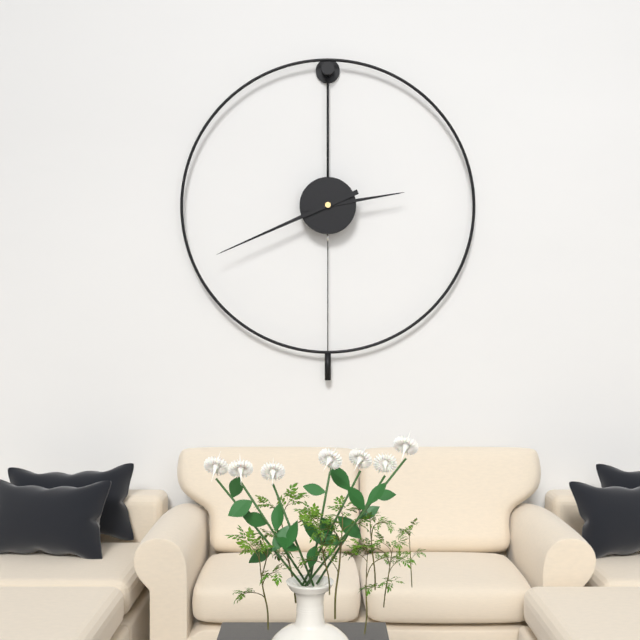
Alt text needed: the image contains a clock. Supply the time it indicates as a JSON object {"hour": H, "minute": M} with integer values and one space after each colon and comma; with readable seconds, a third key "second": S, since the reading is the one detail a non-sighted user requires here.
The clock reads {"hour": 2, "minute": 41}
